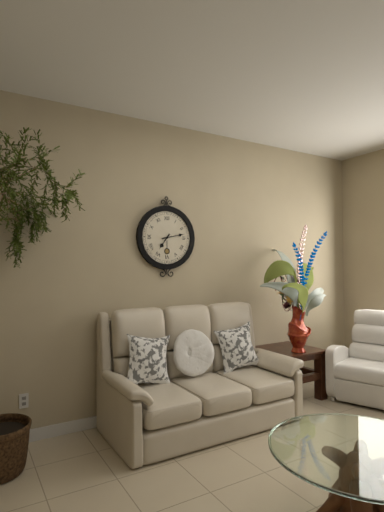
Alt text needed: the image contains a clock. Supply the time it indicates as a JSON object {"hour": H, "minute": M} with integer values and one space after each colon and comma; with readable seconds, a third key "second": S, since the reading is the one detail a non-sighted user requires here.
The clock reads {"hour": 7, "minute": 13}
